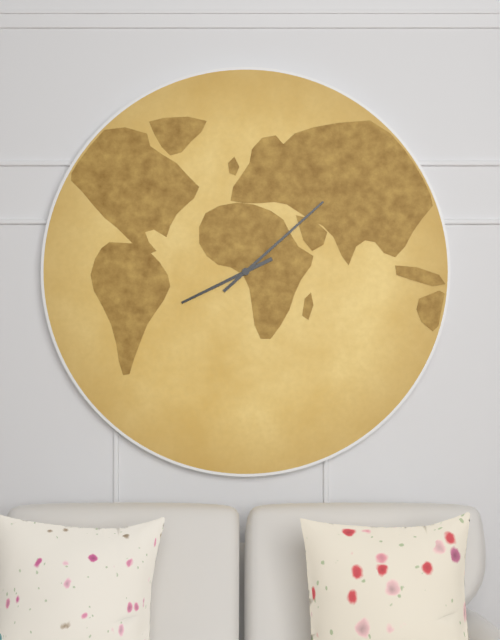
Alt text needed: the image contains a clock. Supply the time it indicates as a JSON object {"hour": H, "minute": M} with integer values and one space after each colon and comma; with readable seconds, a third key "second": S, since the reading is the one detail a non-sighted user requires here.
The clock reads {"hour": 8, "minute": 8}
